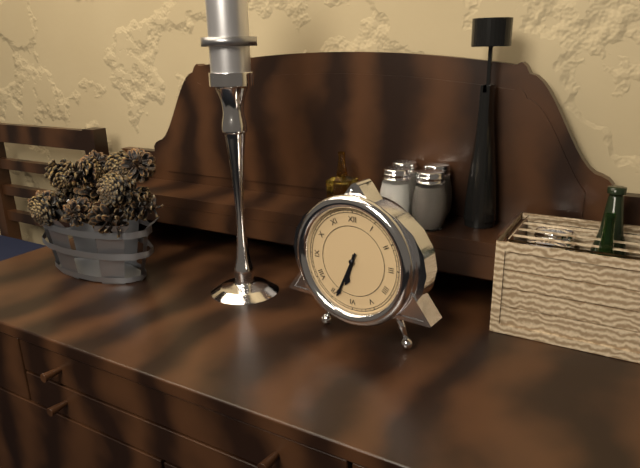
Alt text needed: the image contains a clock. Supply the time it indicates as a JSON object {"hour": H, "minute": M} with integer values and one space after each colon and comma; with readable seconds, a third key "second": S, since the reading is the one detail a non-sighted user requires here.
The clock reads {"hour": 6, "minute": 34}
